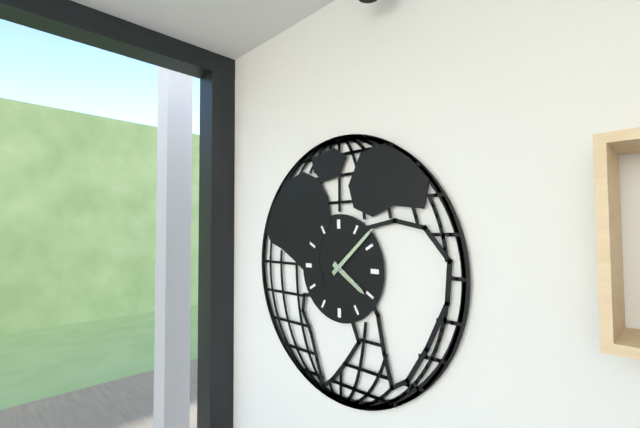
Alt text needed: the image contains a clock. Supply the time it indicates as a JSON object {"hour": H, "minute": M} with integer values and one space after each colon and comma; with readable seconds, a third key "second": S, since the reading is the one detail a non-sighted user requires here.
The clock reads {"hour": 4, "minute": 8}
